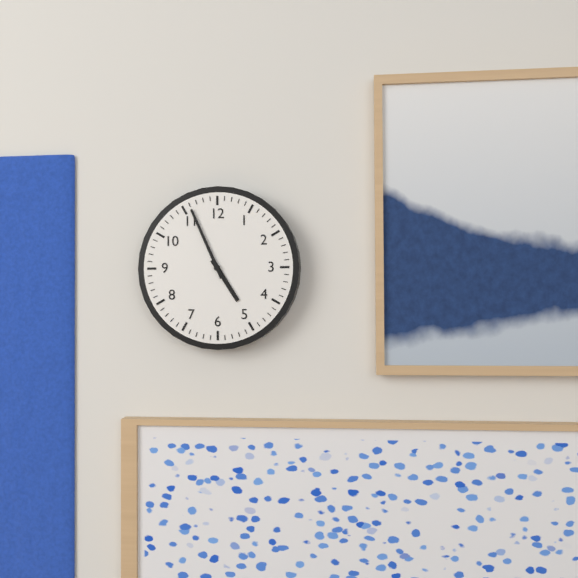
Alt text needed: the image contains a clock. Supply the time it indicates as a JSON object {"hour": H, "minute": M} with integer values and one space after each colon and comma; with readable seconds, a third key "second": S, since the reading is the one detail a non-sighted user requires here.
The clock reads {"hour": 4, "minute": 56}
